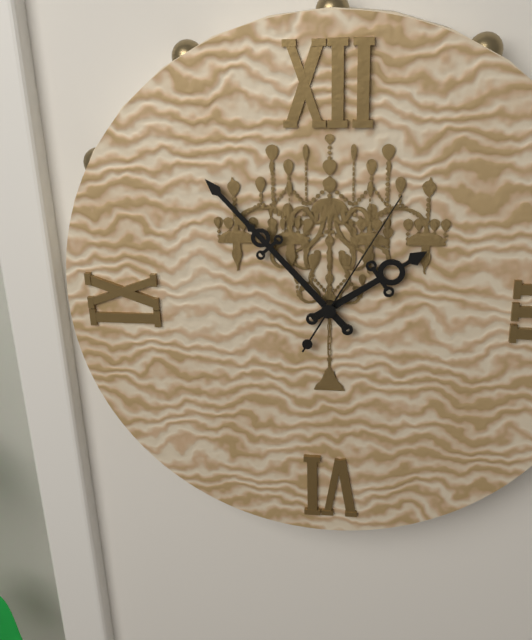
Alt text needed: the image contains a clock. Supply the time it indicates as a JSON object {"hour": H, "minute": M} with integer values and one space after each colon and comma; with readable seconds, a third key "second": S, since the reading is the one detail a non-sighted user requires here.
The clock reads {"hour": 1, "minute": 53, "second": 5}
